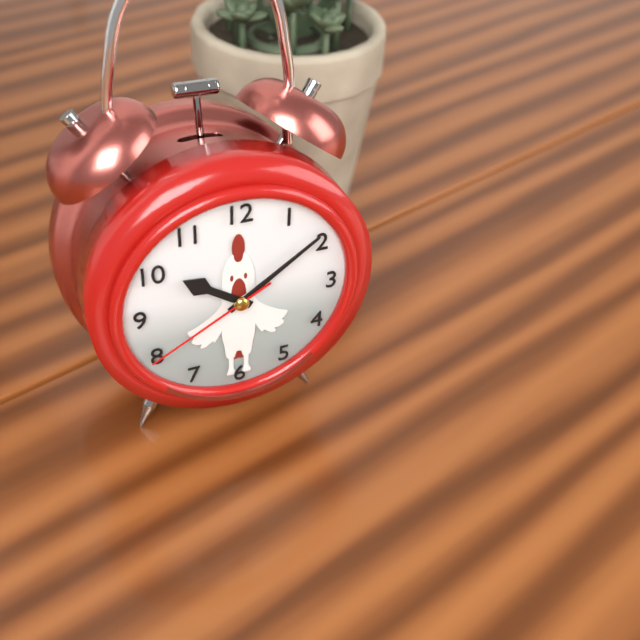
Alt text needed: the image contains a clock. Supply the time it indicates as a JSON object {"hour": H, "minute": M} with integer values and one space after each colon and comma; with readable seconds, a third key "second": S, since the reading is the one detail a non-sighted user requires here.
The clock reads {"hour": 10, "minute": 9, "second": 40}
